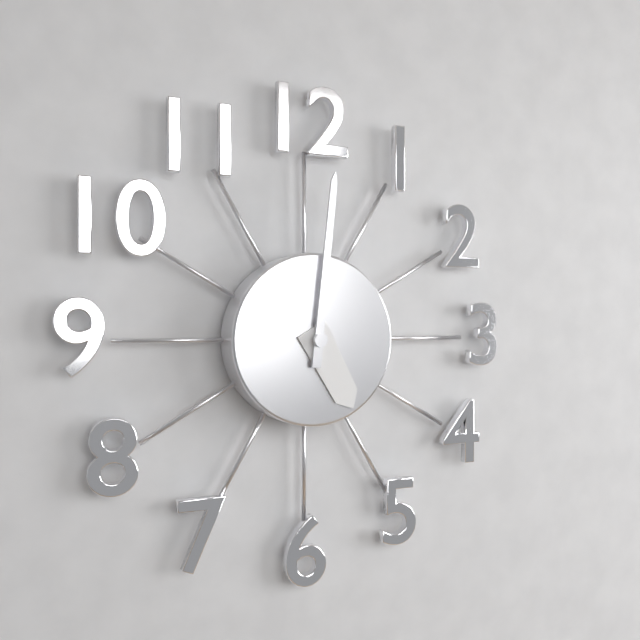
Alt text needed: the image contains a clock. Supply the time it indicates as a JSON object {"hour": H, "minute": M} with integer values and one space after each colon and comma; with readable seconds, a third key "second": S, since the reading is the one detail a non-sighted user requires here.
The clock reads {"hour": 5, "minute": 1}
